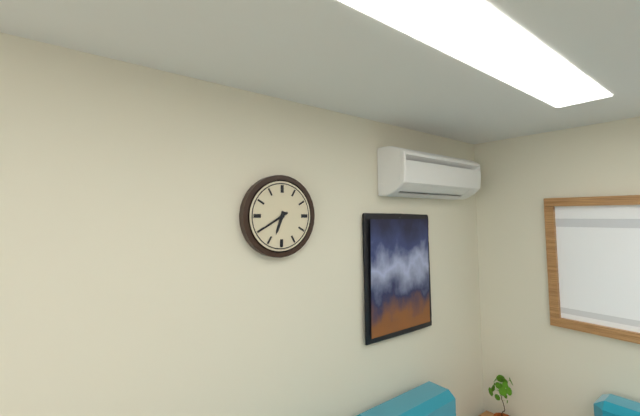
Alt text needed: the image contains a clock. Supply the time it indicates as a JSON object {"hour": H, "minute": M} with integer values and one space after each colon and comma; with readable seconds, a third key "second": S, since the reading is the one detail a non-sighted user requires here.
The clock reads {"hour": 6, "minute": 40}
